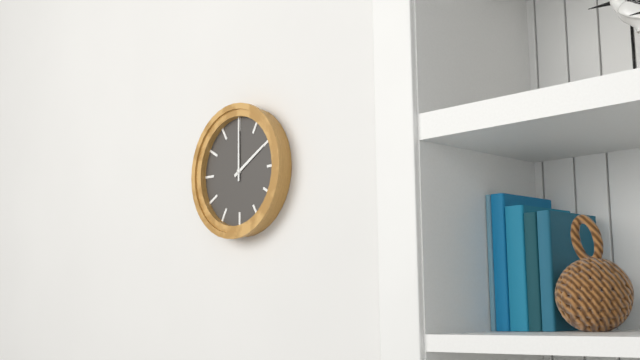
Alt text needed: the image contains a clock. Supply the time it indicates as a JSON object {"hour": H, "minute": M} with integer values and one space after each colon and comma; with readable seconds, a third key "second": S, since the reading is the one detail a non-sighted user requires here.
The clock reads {"hour": 2, "minute": 0}
